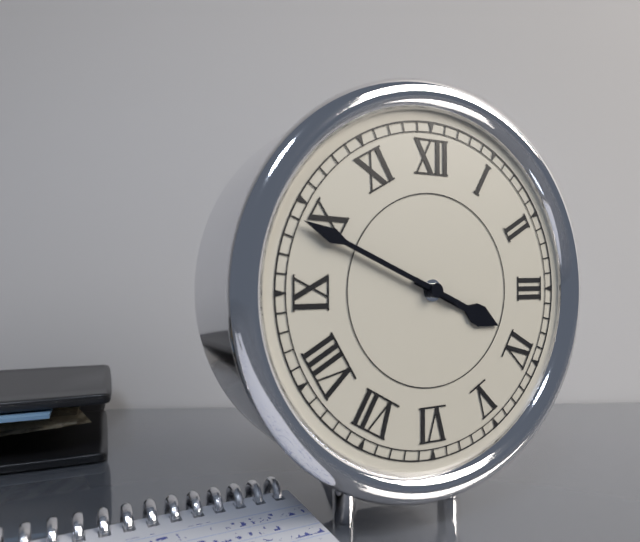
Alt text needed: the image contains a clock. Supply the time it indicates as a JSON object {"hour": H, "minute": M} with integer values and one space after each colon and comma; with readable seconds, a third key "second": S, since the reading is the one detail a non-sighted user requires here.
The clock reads {"hour": 3, "minute": 49}
